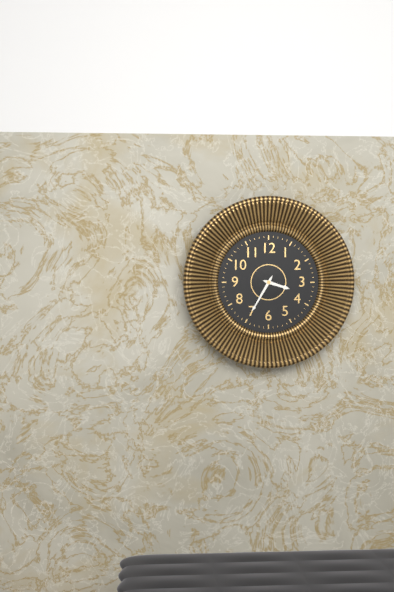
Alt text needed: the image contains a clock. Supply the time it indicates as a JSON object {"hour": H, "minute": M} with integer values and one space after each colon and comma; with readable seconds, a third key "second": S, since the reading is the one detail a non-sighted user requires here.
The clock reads {"hour": 3, "minute": 35}
